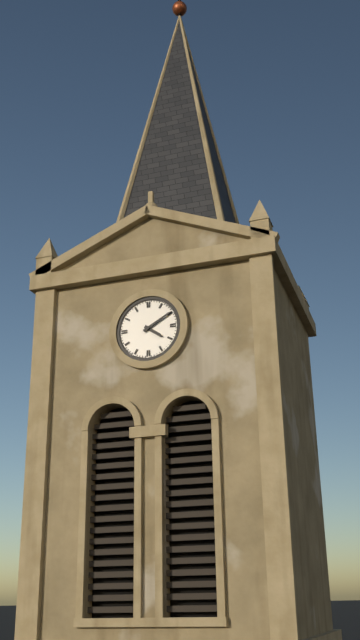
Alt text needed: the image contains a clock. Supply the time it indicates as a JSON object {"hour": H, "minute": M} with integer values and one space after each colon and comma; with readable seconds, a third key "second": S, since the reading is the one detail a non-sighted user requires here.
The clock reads {"hour": 4, "minute": 10}
